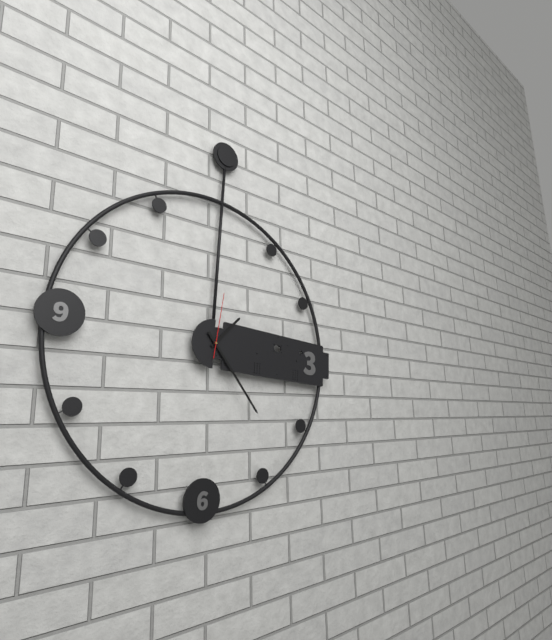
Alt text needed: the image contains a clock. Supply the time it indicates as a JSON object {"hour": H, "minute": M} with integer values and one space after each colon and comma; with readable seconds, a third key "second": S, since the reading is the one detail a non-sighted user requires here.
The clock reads {"hour": 1, "minute": 23, "second": 1}
